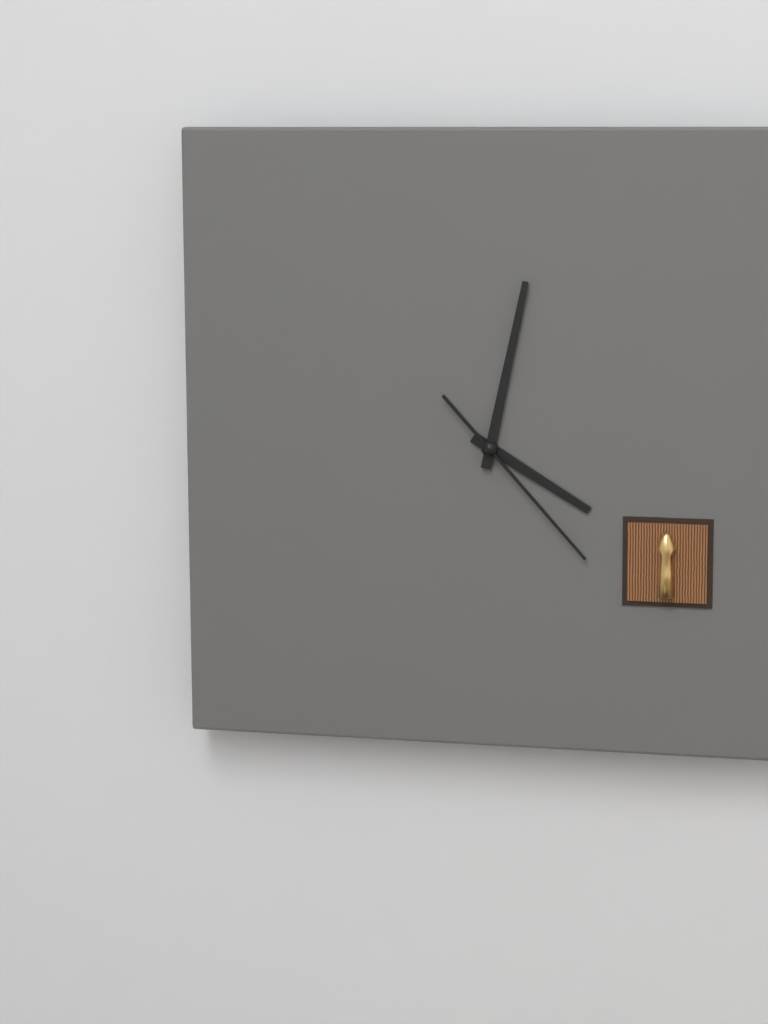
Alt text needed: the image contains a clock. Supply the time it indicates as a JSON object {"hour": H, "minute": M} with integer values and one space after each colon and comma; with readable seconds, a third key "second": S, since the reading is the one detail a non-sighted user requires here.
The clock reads {"hour": 4, "minute": 2, "second": 23}
